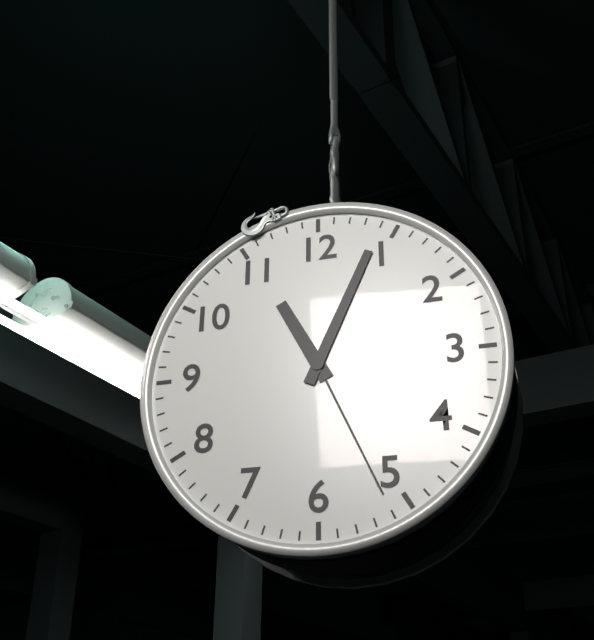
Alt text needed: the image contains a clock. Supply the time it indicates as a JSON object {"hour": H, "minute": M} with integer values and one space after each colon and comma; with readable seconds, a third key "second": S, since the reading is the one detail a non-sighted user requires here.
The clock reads {"hour": 11, "minute": 4, "second": 26}
